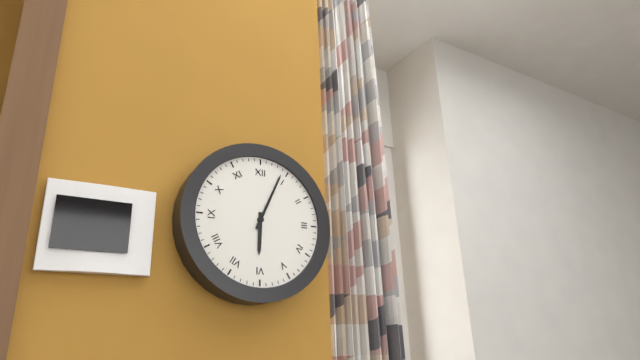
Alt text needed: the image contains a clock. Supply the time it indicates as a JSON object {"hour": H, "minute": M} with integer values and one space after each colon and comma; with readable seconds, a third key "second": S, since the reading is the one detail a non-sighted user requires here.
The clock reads {"hour": 6, "minute": 4}
